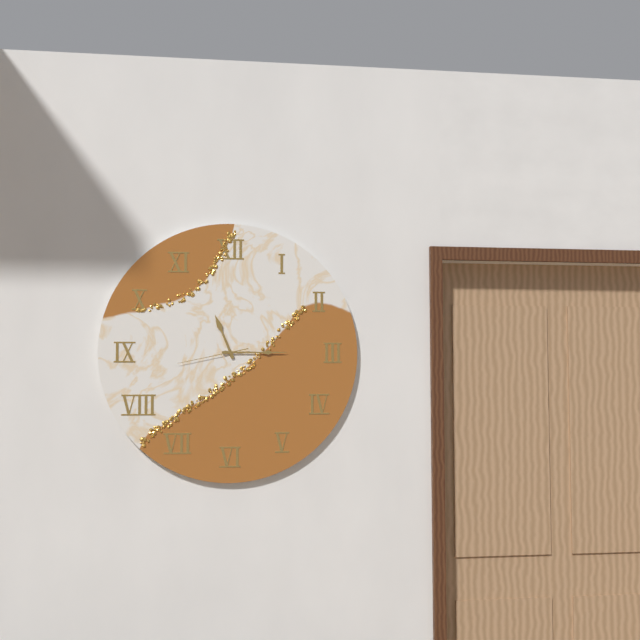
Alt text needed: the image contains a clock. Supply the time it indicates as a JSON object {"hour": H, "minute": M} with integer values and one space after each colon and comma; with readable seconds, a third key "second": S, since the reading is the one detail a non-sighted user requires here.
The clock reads {"hour": 11, "minute": 15, "second": 43}
